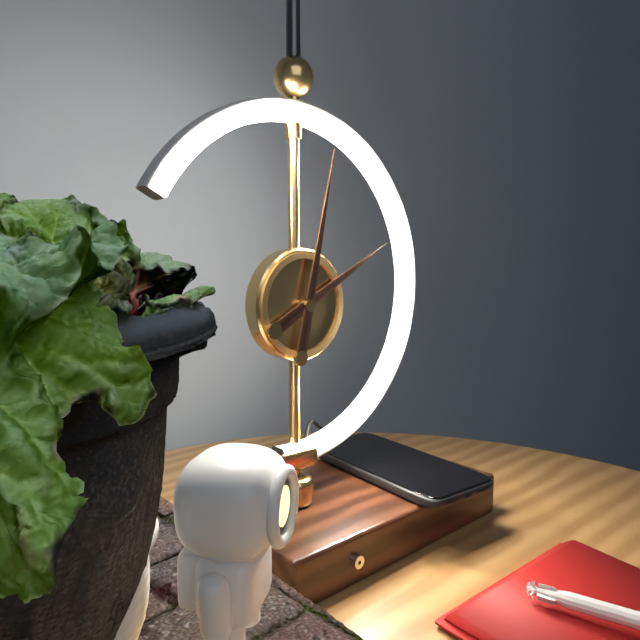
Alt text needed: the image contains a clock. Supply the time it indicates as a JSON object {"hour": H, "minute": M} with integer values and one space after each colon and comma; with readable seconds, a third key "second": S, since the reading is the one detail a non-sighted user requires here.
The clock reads {"hour": 2, "minute": 2}
